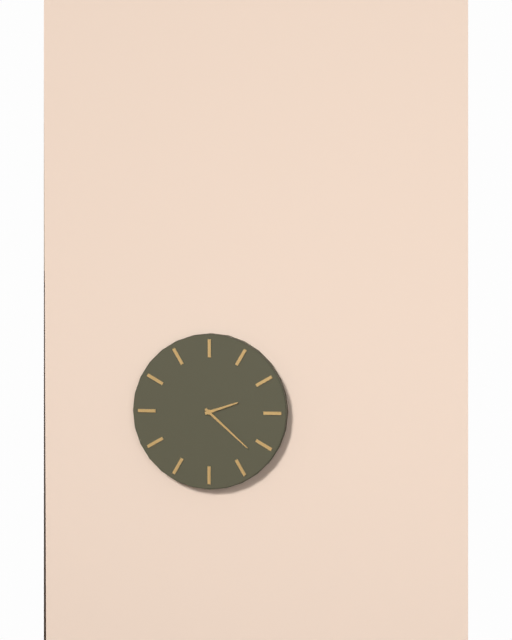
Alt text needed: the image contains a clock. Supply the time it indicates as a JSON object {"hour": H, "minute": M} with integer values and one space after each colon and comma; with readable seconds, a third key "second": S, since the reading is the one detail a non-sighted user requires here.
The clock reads {"hour": 2, "minute": 22}
